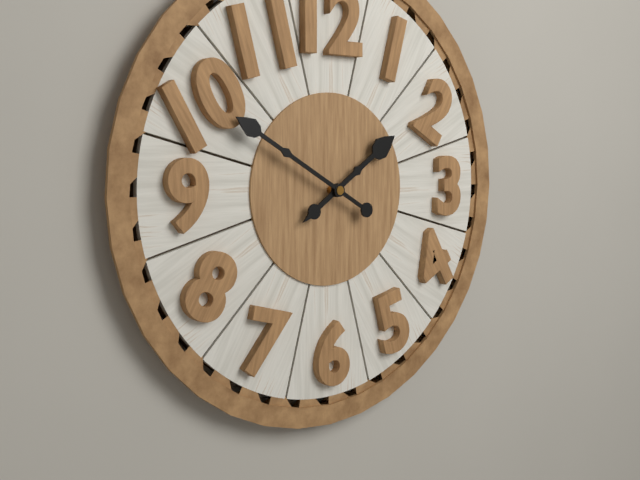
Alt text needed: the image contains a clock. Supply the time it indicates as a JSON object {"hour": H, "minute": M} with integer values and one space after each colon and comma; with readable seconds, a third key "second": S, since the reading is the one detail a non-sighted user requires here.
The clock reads {"hour": 1, "minute": 50}
